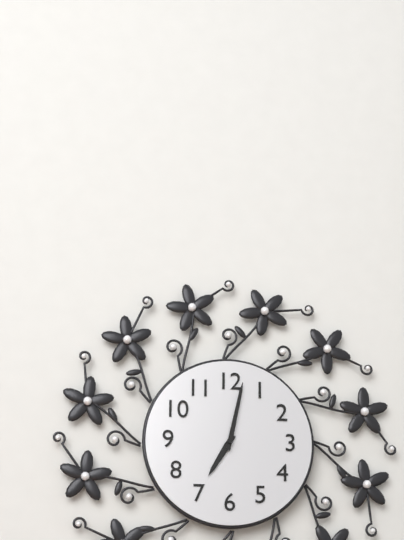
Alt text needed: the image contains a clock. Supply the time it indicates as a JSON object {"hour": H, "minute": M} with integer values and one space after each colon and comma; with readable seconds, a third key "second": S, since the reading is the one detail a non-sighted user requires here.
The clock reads {"hour": 7, "minute": 2}
